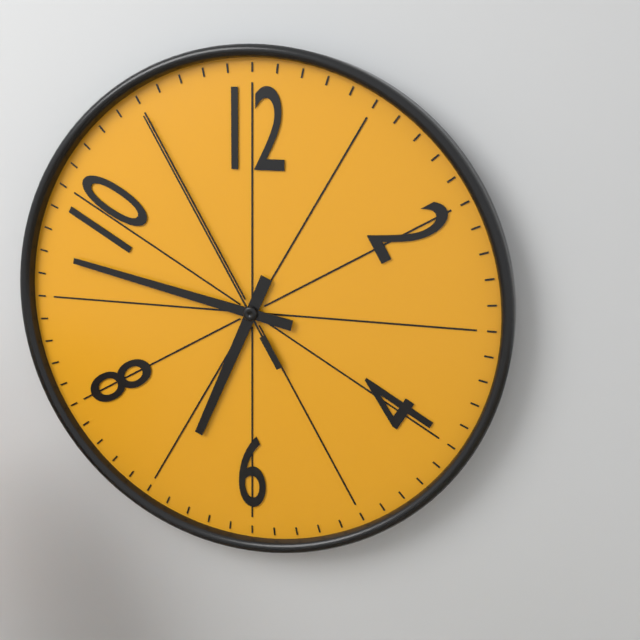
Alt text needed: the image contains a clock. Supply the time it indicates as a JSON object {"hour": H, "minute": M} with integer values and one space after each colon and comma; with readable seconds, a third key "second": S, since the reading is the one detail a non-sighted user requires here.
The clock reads {"hour": 6, "minute": 47, "second": 55}
